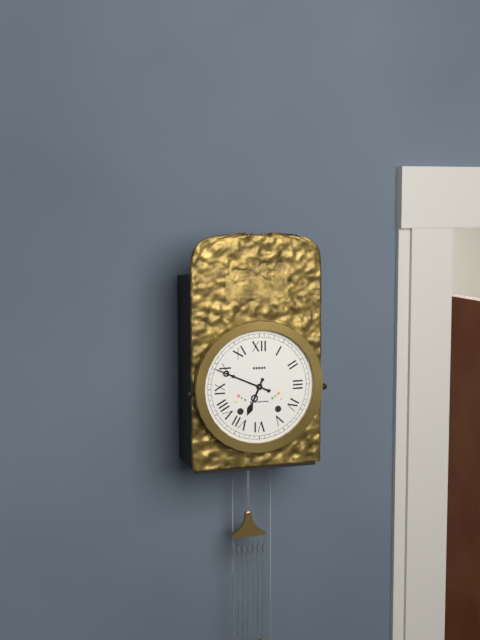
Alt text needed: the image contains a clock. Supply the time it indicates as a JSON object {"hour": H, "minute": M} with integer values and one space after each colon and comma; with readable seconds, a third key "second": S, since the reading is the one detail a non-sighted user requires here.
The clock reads {"hour": 6, "minute": 49}
